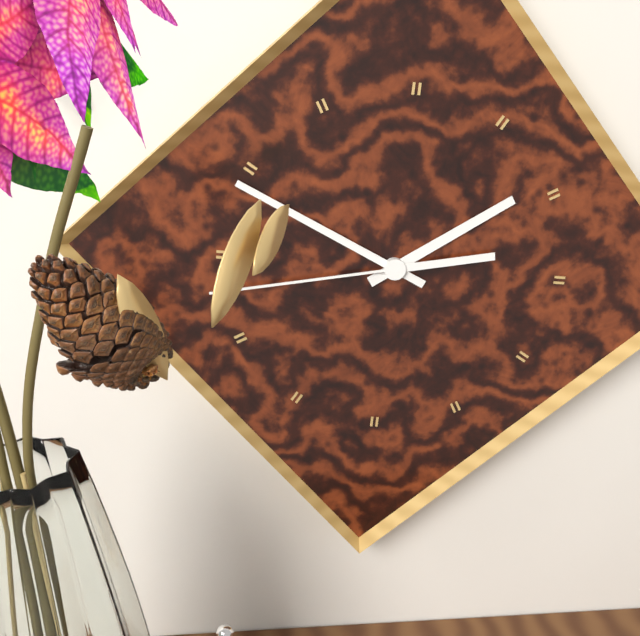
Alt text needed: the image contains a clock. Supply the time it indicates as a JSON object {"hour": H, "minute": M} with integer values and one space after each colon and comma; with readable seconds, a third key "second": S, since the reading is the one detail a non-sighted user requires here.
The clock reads {"hour": 1, "minute": 49, "second": 43}
